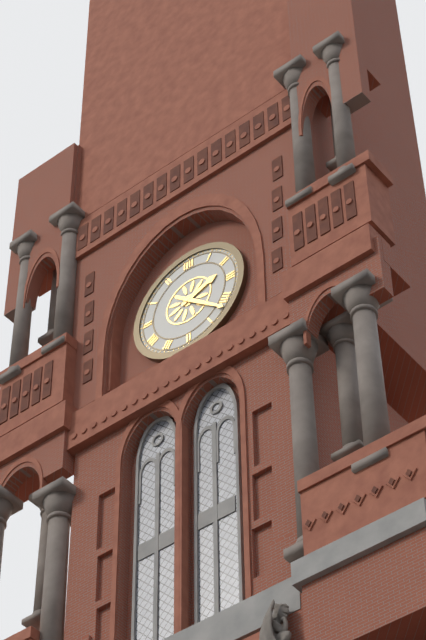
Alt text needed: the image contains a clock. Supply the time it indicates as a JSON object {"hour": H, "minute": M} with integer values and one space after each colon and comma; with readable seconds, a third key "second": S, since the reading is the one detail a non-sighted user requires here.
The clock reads {"hour": 2, "minute": 22}
